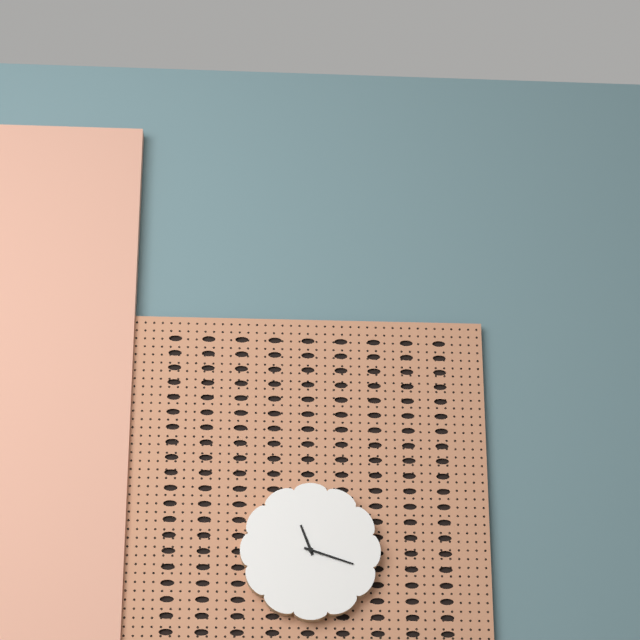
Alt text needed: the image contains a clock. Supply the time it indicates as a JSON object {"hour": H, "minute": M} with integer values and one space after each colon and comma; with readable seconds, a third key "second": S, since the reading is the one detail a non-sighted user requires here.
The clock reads {"hour": 11, "minute": 18}
